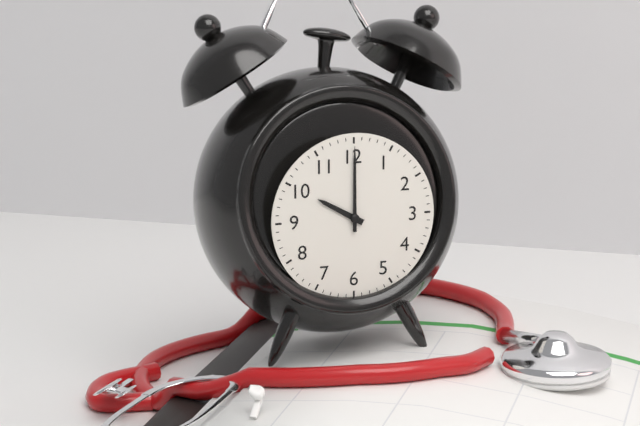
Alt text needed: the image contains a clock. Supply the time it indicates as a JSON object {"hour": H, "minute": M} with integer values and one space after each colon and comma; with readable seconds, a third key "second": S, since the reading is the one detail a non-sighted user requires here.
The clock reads {"hour": 10, "minute": 0}
